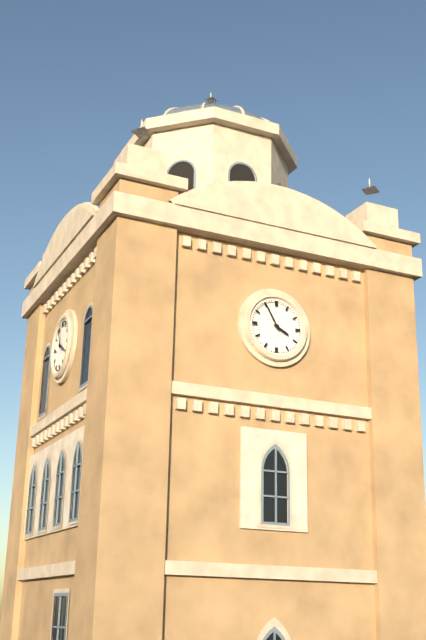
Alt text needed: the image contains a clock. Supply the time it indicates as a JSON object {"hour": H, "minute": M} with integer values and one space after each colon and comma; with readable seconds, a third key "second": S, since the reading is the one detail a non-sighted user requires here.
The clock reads {"hour": 3, "minute": 55}
